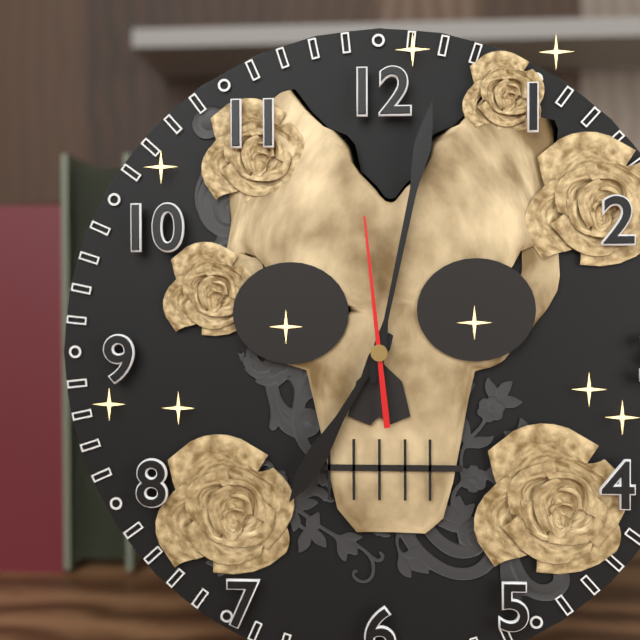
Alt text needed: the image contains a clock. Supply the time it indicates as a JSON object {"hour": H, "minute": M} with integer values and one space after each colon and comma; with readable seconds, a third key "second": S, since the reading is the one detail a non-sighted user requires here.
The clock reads {"hour": 7, "minute": 2, "second": 59}
